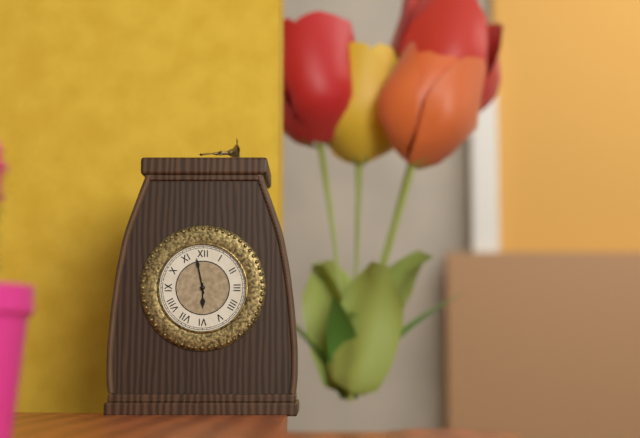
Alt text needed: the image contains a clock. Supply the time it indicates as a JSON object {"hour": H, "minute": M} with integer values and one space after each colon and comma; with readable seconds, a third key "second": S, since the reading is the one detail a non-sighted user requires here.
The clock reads {"hour": 5, "minute": 58}
